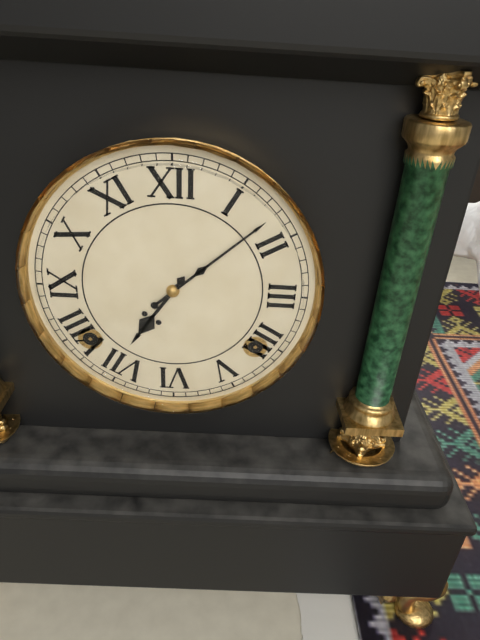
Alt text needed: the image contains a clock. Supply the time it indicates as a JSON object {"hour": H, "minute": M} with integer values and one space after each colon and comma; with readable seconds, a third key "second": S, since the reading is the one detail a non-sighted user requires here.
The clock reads {"hour": 7, "minute": 8}
